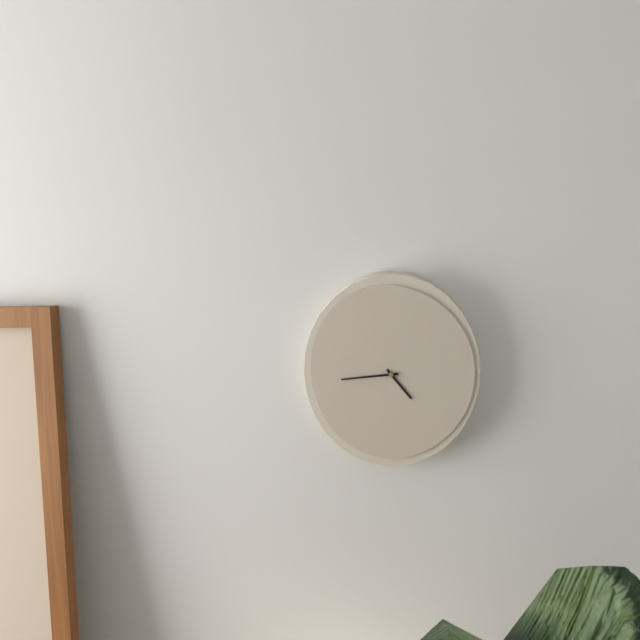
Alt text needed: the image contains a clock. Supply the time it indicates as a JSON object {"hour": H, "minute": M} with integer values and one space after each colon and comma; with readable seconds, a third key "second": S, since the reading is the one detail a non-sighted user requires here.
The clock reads {"hour": 4, "minute": 44}
